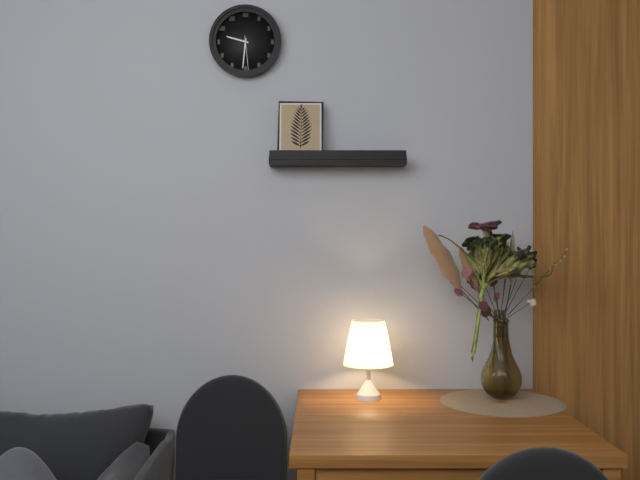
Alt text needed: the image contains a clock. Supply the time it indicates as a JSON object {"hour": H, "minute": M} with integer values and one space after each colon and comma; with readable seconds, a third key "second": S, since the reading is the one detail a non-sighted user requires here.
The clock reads {"hour": 9, "minute": 31}
